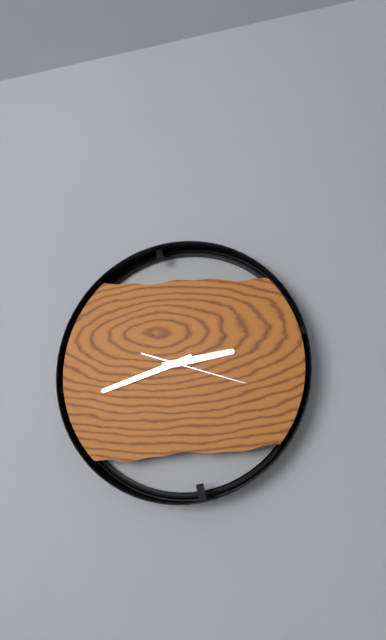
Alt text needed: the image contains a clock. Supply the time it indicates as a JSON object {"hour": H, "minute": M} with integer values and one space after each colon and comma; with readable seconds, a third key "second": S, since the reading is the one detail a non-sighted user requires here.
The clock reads {"hour": 2, "minute": 42, "second": 18}
